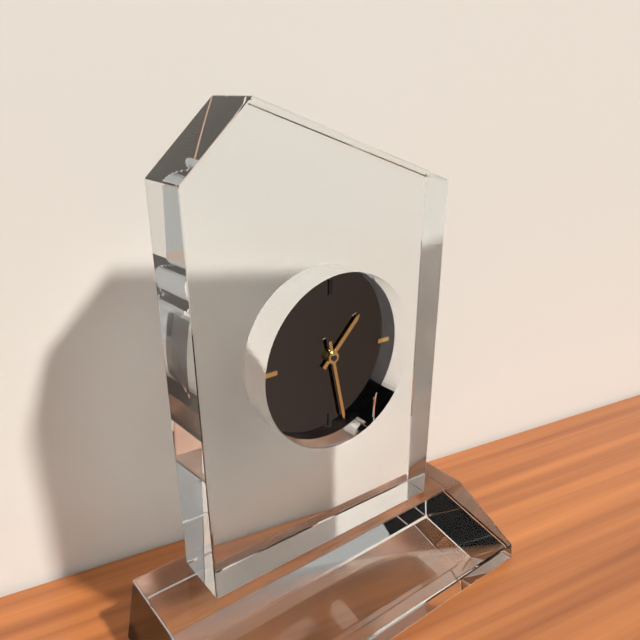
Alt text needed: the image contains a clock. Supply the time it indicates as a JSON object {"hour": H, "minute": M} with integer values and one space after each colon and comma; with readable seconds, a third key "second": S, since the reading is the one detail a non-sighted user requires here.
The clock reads {"hour": 1, "minute": 28}
